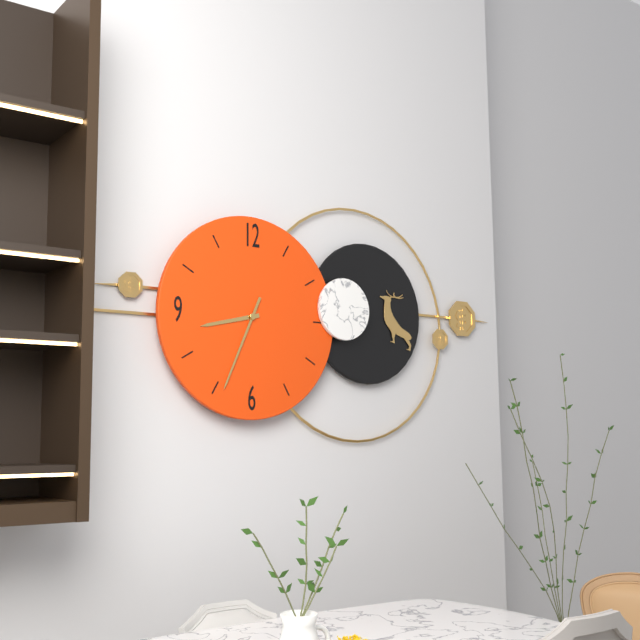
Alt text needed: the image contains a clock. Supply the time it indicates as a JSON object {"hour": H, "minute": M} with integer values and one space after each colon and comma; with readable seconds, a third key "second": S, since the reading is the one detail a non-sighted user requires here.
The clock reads {"hour": 8, "minute": 34}
